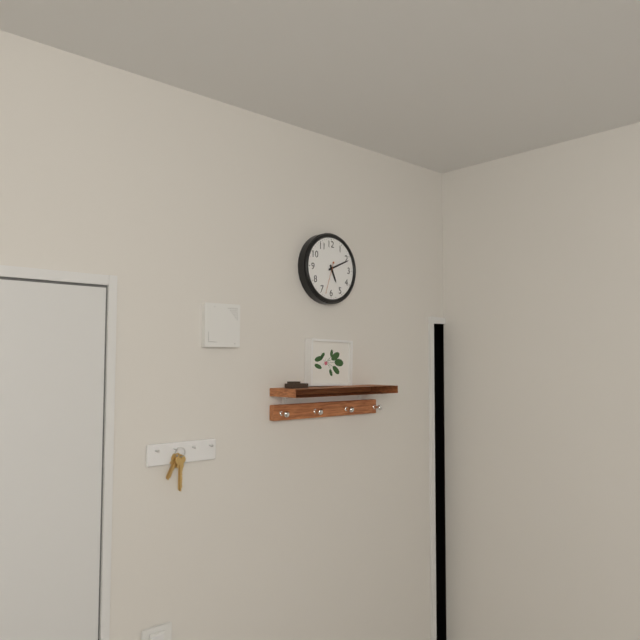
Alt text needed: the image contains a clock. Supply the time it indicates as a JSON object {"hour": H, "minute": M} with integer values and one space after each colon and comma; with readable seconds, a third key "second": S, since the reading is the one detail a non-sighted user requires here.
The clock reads {"hour": 5, "minute": 11}
